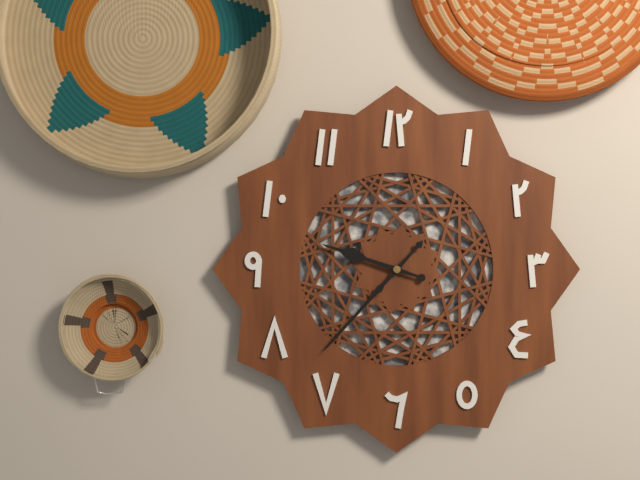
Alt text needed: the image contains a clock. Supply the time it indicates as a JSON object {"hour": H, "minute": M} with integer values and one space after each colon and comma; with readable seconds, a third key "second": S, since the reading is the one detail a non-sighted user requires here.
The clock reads {"hour": 9, "minute": 37}
